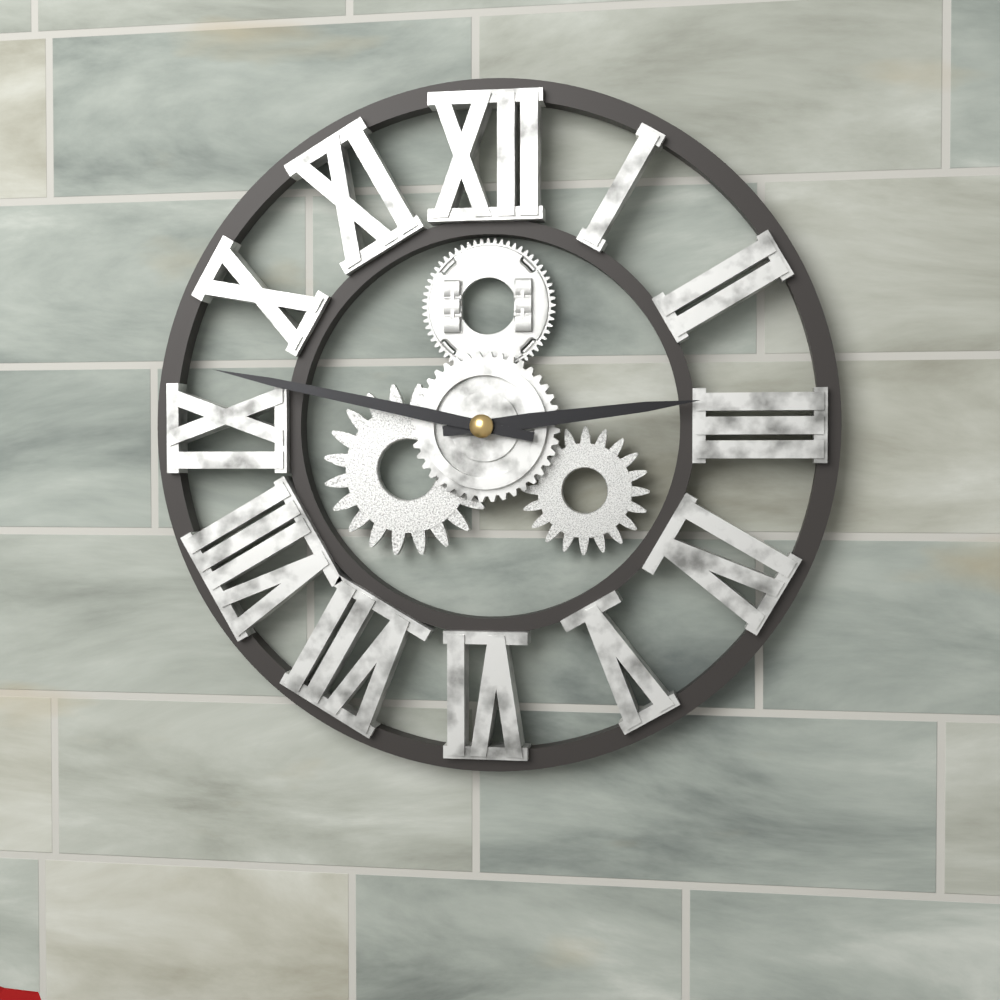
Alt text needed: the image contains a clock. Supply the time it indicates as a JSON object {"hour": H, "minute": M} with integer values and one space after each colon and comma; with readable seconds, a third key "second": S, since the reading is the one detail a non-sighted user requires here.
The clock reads {"hour": 2, "minute": 47}
